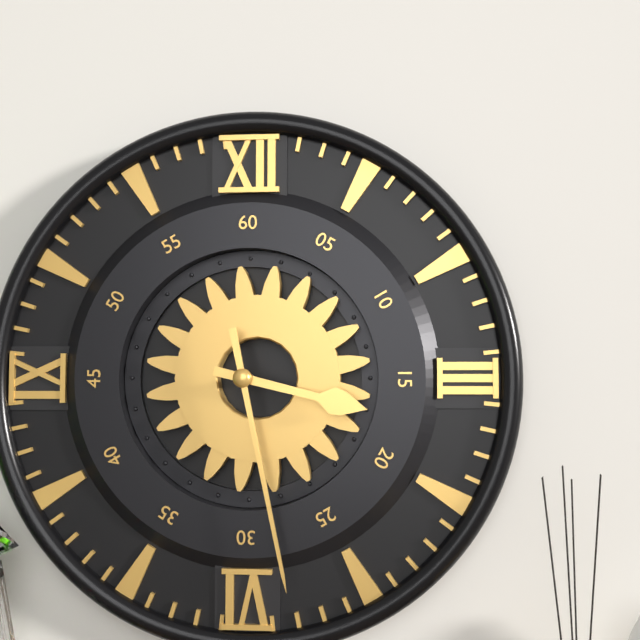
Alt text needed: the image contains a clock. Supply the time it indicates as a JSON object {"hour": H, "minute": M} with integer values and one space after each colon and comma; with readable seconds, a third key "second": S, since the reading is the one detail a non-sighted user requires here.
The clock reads {"hour": 3, "minute": 28}
